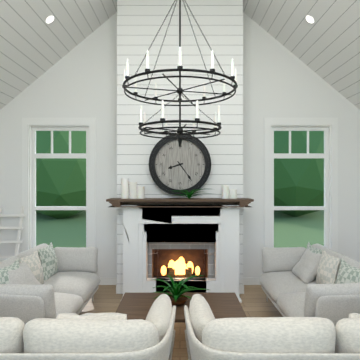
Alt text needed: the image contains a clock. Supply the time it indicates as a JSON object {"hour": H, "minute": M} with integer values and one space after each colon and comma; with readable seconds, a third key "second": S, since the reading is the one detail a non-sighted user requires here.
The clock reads {"hour": 8, "minute": 24}
